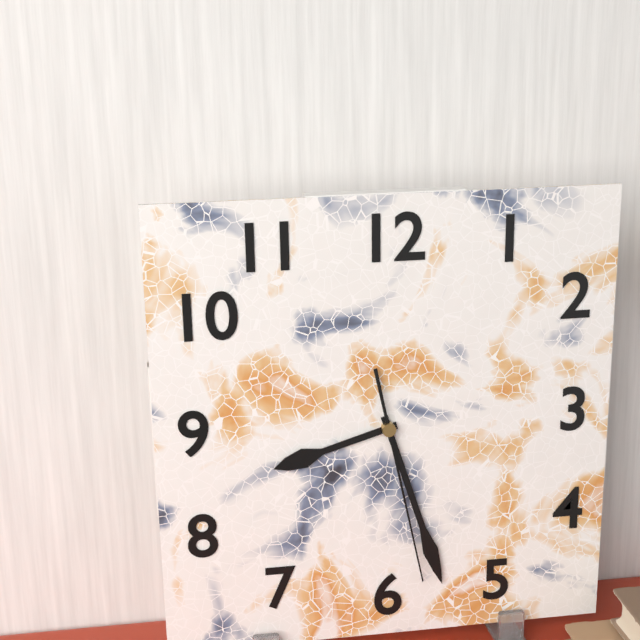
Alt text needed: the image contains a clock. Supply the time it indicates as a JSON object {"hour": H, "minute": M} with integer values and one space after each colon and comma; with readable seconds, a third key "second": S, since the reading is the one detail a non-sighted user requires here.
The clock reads {"hour": 8, "minute": 27, "second": 28}
